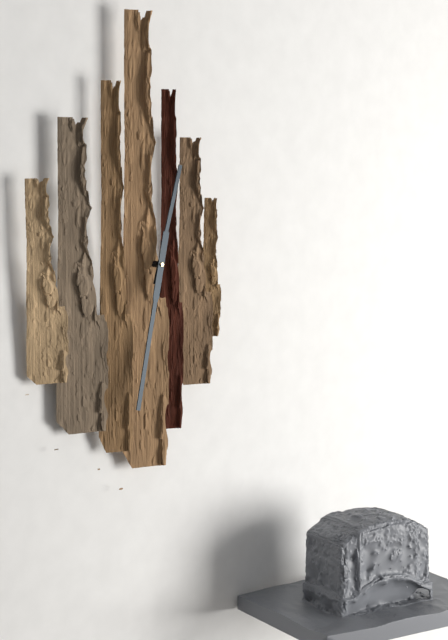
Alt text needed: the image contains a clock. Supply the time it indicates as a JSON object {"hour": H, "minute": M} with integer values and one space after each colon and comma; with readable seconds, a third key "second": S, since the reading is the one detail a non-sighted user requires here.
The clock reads {"hour": 12, "minute": 32}
